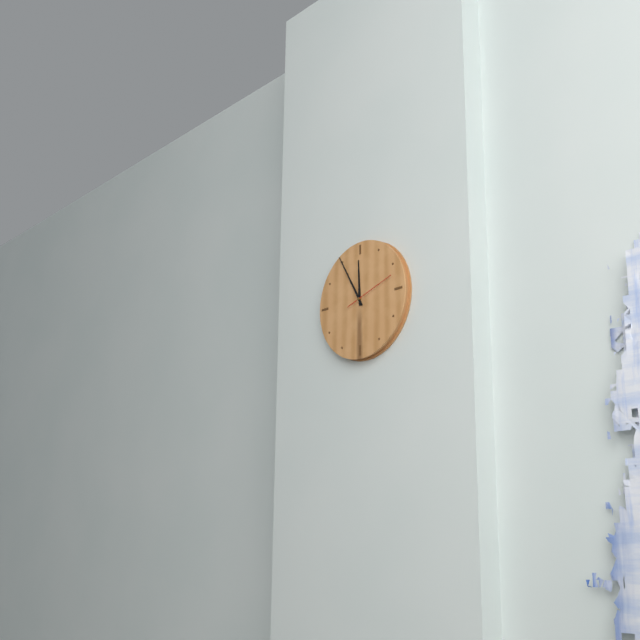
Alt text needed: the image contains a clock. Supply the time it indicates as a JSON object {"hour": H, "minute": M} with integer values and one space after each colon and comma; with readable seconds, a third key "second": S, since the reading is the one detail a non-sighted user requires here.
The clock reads {"hour": 11, "minute": 55}
